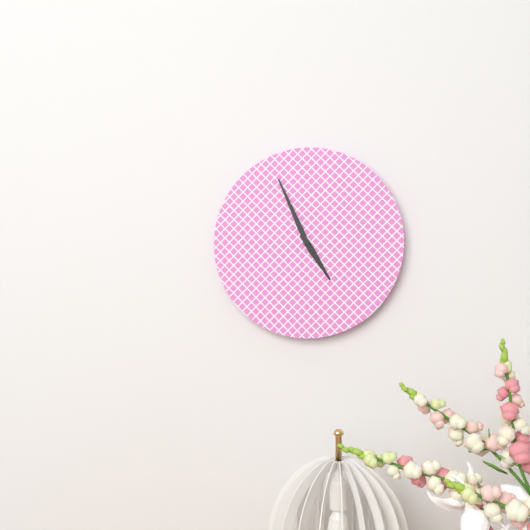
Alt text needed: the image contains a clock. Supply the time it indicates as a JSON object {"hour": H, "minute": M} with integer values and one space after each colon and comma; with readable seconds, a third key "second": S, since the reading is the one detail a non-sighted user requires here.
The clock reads {"hour": 4, "minute": 56}
